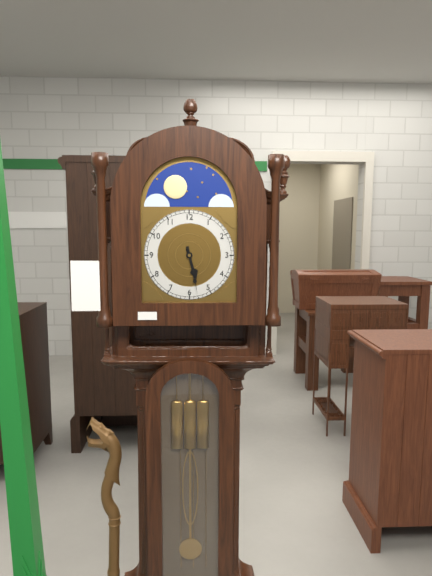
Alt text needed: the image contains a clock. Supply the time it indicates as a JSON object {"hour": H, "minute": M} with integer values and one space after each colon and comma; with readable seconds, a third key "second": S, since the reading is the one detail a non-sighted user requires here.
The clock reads {"hour": 5, "minute": 28}
